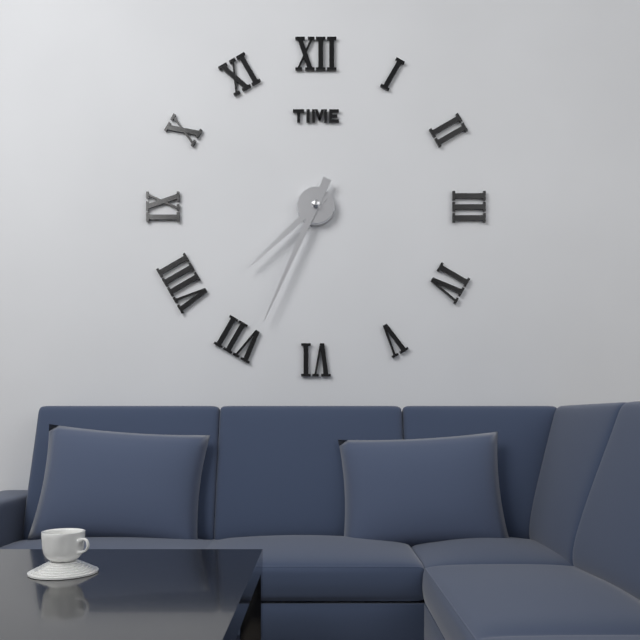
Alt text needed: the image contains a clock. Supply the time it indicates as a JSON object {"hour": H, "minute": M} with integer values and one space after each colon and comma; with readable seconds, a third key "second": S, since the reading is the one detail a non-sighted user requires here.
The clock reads {"hour": 7, "minute": 34}
